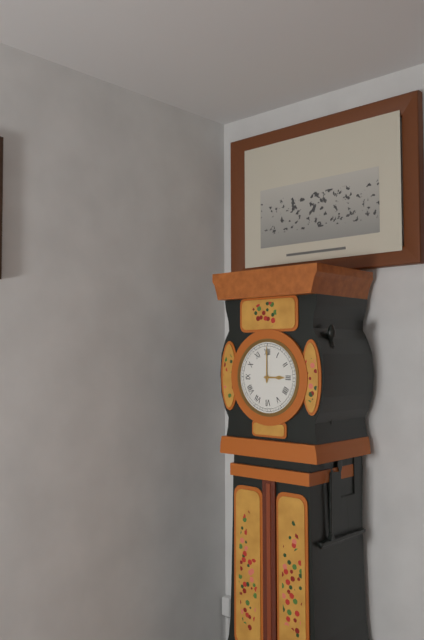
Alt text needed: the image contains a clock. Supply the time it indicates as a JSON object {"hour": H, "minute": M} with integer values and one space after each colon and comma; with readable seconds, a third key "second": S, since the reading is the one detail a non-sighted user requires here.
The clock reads {"hour": 3, "minute": 0}
